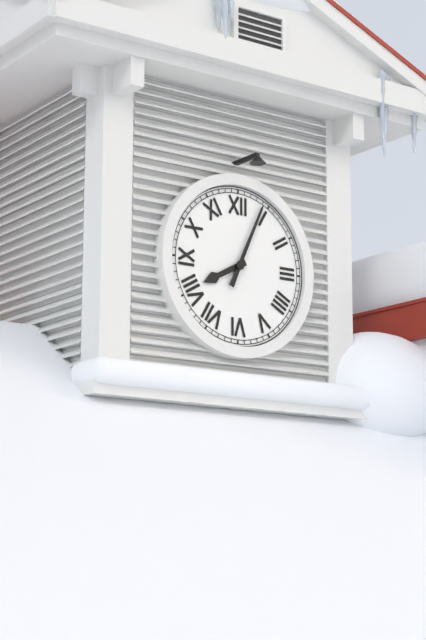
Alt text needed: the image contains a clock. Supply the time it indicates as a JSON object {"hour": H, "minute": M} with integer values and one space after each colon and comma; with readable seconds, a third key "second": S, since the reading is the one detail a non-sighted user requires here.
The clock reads {"hour": 8, "minute": 4}
